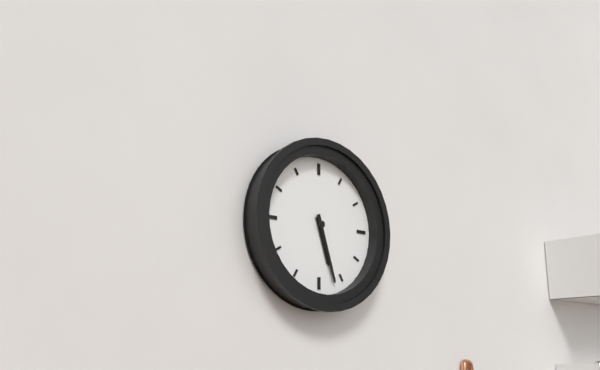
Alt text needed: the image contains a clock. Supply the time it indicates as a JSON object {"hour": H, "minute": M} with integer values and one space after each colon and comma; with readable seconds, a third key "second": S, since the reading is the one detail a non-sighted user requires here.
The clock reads {"hour": 5, "minute": 27}
